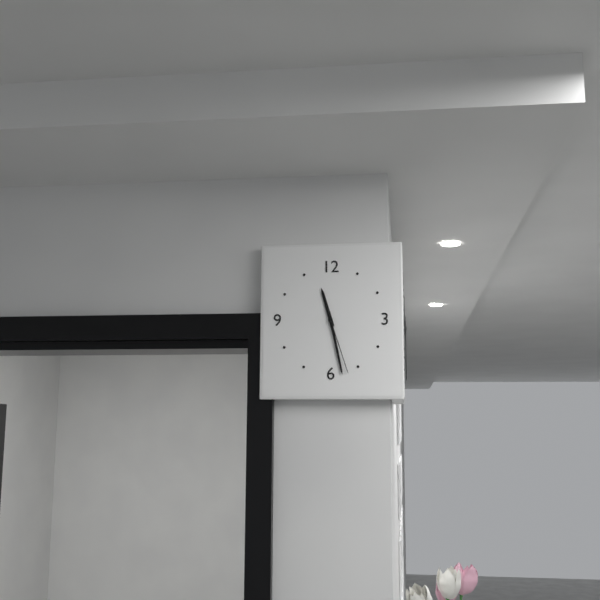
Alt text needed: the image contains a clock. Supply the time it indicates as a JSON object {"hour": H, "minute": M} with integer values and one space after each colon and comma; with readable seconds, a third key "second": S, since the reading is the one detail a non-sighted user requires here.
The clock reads {"hour": 11, "minute": 28, "second": 27}
